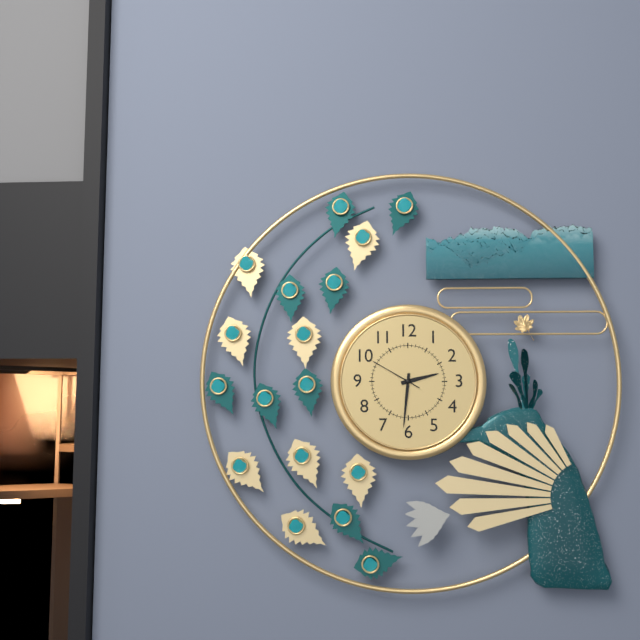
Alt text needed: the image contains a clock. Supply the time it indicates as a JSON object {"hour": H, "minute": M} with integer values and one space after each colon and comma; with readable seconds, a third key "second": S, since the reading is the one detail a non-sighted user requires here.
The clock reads {"hour": 2, "minute": 31, "second": 50}
